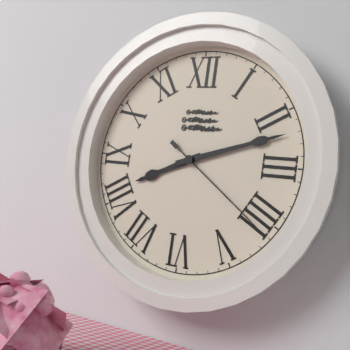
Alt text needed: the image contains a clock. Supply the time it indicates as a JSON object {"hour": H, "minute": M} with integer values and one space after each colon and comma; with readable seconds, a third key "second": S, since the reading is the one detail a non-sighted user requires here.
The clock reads {"hour": 8, "minute": 12, "second": 21}
